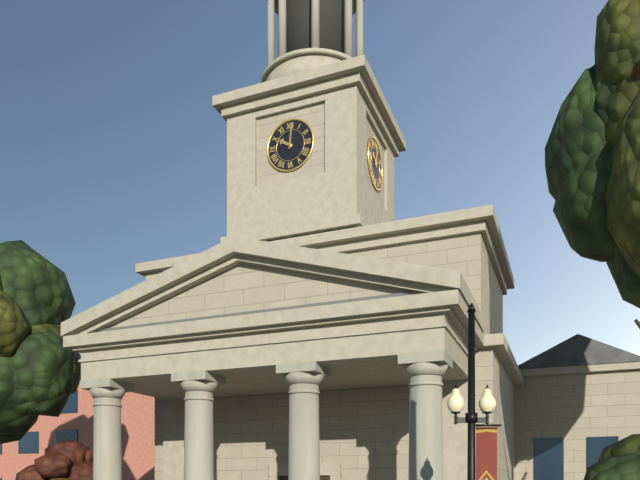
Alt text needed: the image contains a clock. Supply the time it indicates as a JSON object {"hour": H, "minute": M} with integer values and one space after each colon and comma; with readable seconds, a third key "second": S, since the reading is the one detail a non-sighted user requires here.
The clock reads {"hour": 10, "minute": 1}
